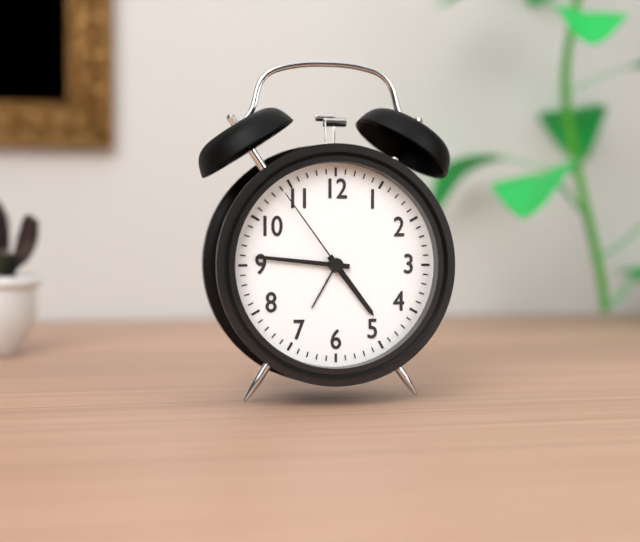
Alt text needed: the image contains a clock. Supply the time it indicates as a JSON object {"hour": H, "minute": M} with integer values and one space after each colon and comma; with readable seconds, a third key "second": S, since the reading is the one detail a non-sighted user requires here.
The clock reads {"hour": 4, "minute": 46, "second": 54}
